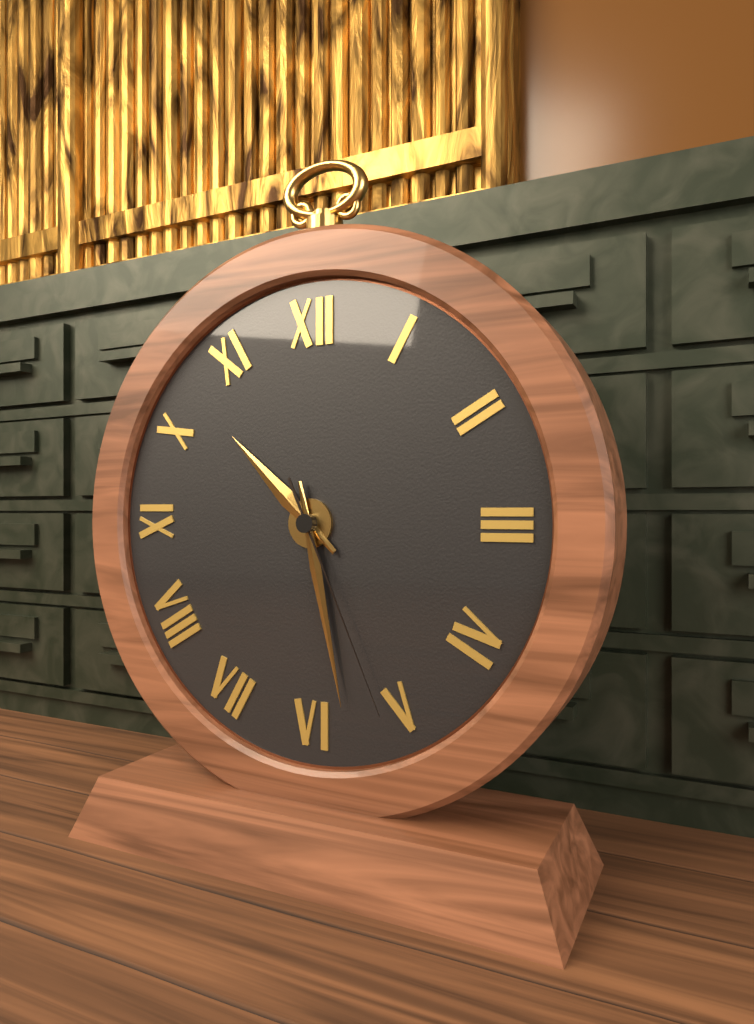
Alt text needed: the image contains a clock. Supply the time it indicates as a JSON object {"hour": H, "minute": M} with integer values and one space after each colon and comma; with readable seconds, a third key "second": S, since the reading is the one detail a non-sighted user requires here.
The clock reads {"hour": 10, "minute": 28, "second": 26}
